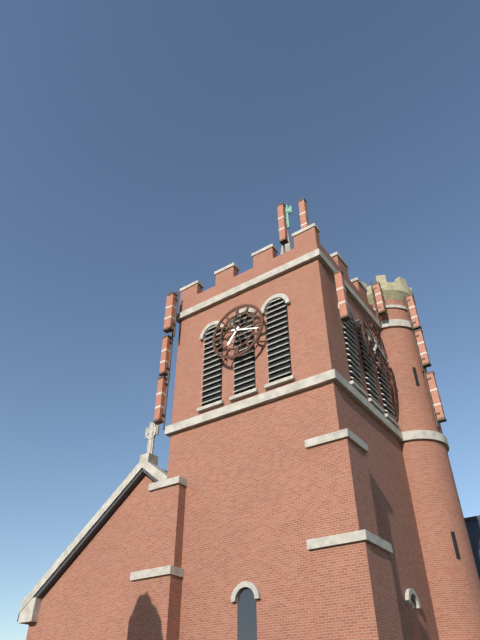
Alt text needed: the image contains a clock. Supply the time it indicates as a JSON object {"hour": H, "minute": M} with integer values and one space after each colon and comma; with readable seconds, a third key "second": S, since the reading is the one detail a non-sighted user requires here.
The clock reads {"hour": 7, "minute": 18}
